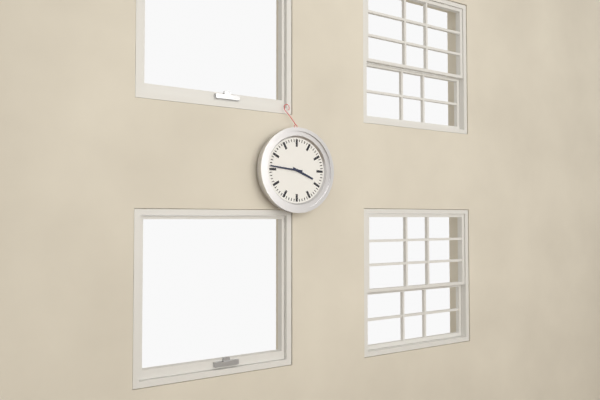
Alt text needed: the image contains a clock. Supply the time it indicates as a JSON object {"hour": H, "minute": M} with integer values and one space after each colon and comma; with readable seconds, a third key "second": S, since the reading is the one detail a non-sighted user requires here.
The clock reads {"hour": 3, "minute": 46}
